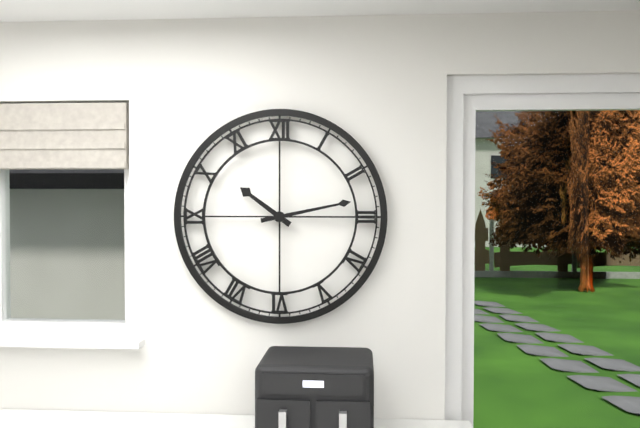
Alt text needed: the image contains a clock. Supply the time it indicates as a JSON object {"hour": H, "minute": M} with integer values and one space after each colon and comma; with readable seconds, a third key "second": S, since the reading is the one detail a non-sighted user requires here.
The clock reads {"hour": 10, "minute": 13}
